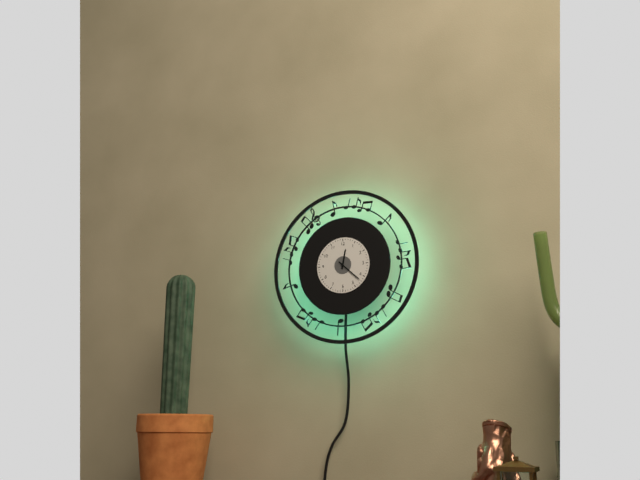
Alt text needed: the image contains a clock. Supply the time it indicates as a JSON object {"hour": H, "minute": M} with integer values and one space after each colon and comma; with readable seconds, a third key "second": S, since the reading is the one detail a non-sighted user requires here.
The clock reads {"hour": 12, "minute": 22}
